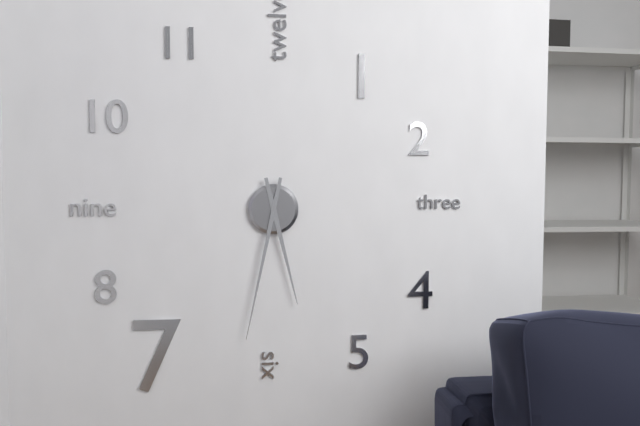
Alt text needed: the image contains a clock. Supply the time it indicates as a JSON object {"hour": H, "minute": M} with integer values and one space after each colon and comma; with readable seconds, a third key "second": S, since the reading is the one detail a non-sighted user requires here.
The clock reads {"hour": 5, "minute": 32}
